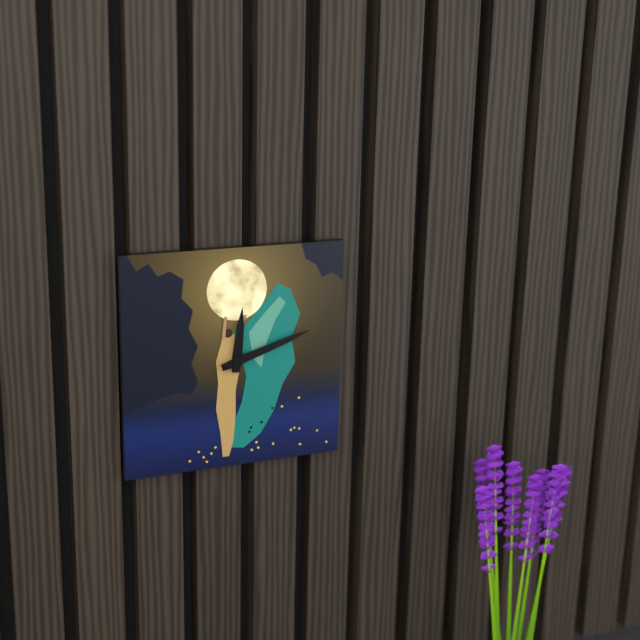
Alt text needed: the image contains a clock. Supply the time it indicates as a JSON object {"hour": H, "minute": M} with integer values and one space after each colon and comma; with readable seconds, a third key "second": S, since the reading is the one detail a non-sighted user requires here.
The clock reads {"hour": 12, "minute": 12}
